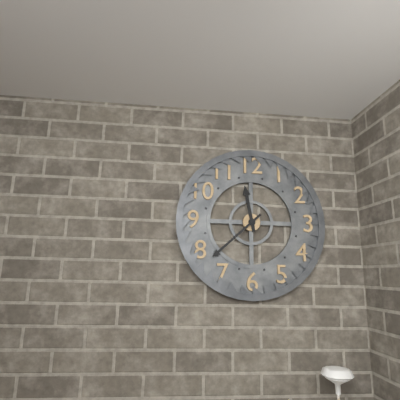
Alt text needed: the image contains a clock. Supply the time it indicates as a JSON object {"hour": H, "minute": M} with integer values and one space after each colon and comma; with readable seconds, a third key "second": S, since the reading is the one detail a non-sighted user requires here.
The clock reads {"hour": 11, "minute": 38}
